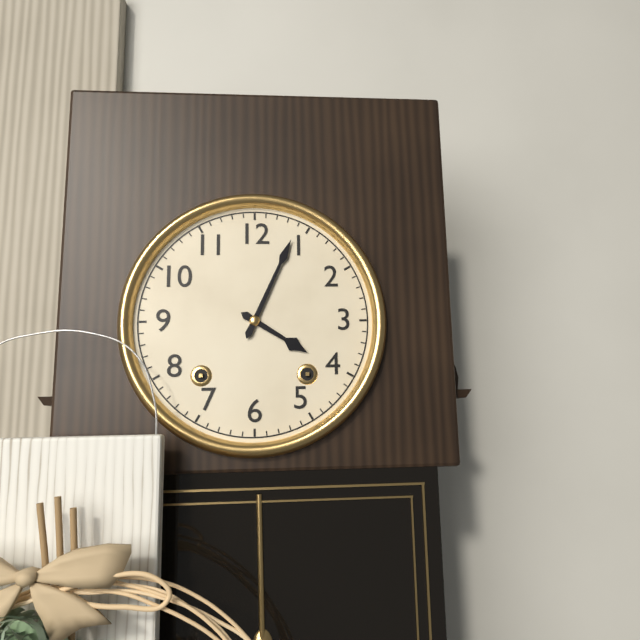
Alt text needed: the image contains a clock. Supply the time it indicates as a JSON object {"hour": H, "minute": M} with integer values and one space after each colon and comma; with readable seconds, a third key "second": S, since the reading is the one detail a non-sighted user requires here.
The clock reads {"hour": 4, "minute": 4}
